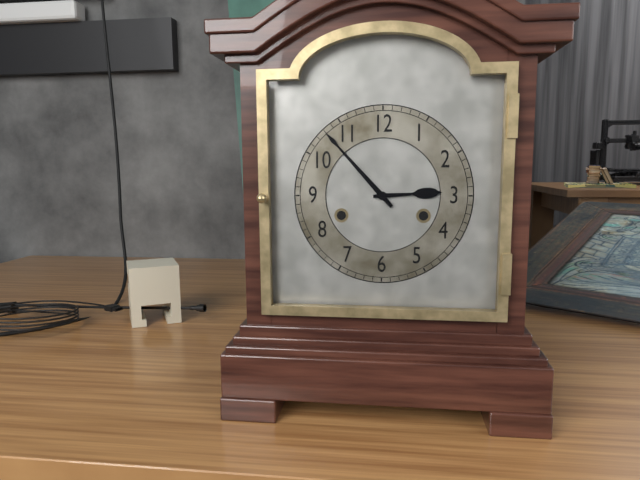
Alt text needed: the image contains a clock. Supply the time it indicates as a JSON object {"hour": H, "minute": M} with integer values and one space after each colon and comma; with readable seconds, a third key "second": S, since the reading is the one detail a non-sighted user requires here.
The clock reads {"hour": 2, "minute": 53}
